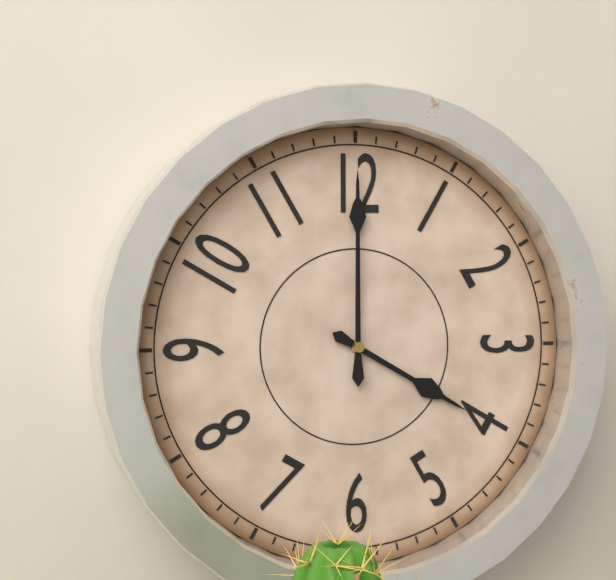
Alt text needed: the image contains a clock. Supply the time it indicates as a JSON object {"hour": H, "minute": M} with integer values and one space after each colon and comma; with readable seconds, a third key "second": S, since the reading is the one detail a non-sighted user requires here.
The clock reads {"hour": 4, "minute": 0}
